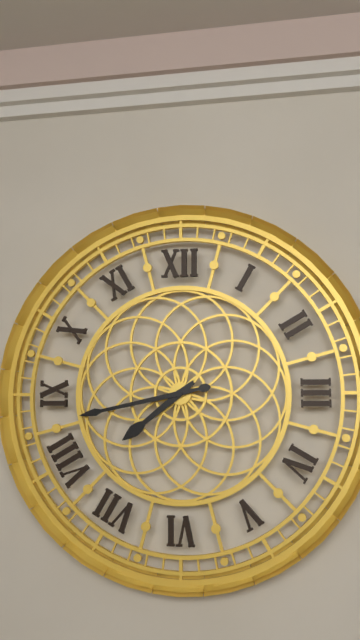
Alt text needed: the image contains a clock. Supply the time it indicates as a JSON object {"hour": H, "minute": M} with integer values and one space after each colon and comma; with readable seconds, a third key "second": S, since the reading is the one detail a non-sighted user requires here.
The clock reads {"hour": 7, "minute": 43}
